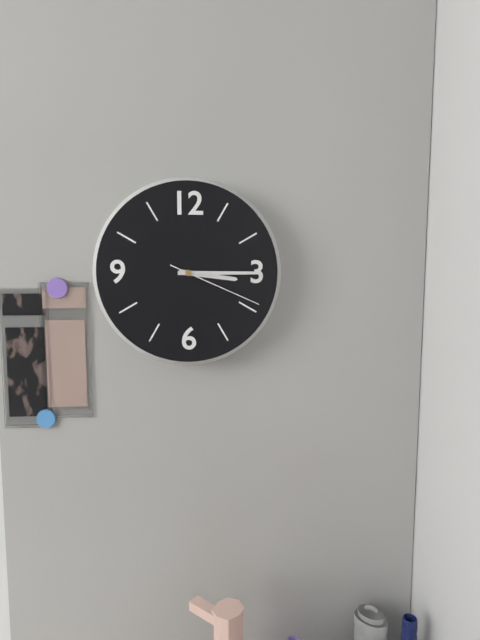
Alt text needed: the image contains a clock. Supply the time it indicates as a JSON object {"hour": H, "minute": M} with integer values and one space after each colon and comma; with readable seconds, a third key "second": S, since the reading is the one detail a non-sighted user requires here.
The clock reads {"hour": 3, "minute": 15, "second": 19}
